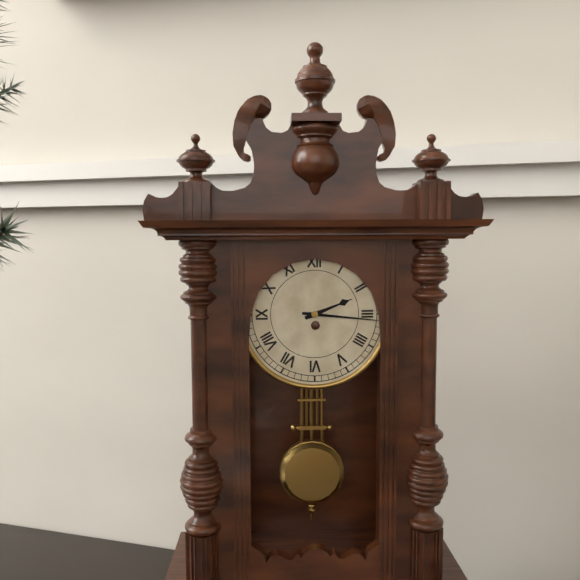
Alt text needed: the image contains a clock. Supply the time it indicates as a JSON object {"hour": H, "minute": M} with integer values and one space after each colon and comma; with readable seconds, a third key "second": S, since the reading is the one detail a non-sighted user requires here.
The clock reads {"hour": 2, "minute": 16}
